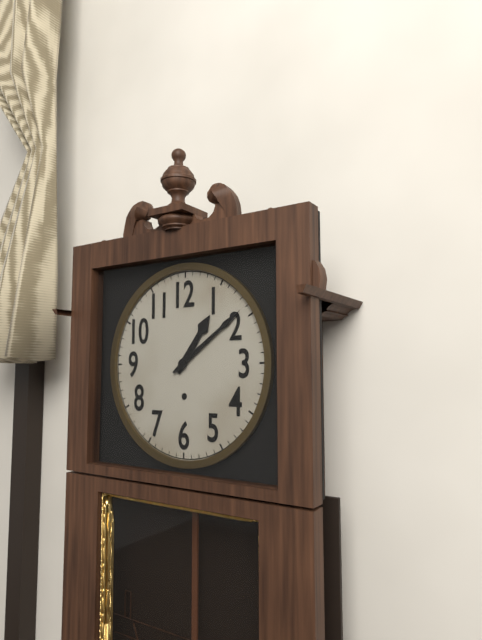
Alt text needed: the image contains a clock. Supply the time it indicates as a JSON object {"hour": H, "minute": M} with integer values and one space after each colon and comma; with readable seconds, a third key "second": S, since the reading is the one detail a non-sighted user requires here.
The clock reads {"hour": 1, "minute": 9}
